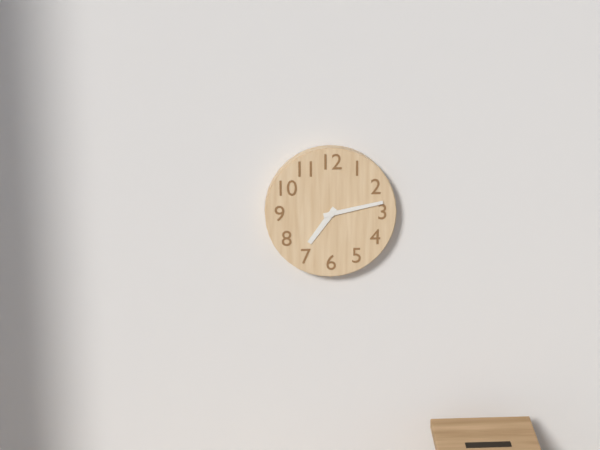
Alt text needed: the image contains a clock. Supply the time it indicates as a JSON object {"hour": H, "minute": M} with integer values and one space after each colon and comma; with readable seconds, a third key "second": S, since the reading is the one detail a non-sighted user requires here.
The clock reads {"hour": 7, "minute": 13}
